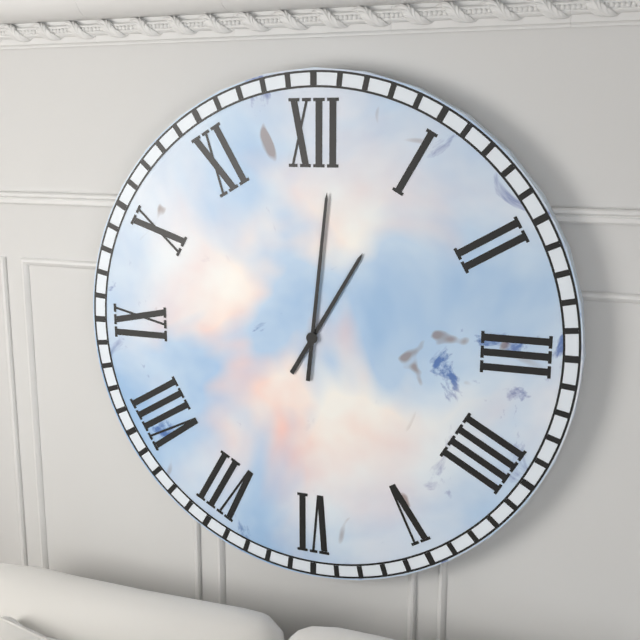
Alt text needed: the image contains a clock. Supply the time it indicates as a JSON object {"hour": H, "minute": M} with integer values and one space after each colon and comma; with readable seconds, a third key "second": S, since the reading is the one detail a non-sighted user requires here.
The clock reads {"hour": 1, "minute": 1}
